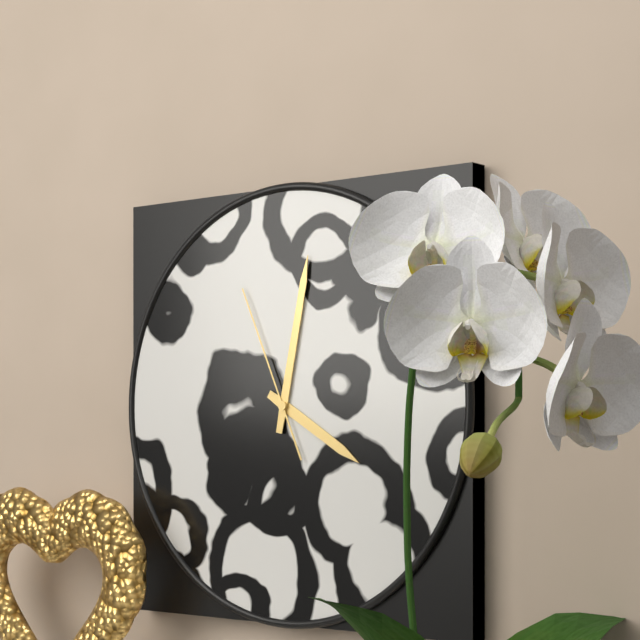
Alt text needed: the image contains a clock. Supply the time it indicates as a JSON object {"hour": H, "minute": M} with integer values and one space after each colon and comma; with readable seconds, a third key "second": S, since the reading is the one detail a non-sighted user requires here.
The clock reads {"hour": 4, "minute": 2, "second": 56}
